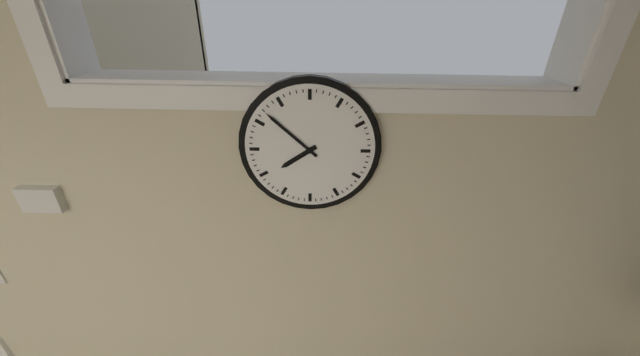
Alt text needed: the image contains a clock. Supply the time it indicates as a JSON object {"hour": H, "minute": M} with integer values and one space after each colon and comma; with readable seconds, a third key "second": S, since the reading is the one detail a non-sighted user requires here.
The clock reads {"hour": 7, "minute": 52}
